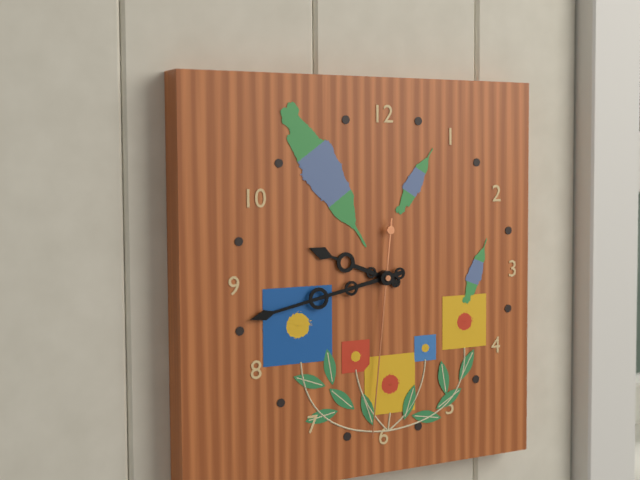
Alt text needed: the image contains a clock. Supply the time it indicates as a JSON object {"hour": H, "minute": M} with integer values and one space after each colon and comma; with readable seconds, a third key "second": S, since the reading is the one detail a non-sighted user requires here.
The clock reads {"hour": 9, "minute": 43, "second": 31}
